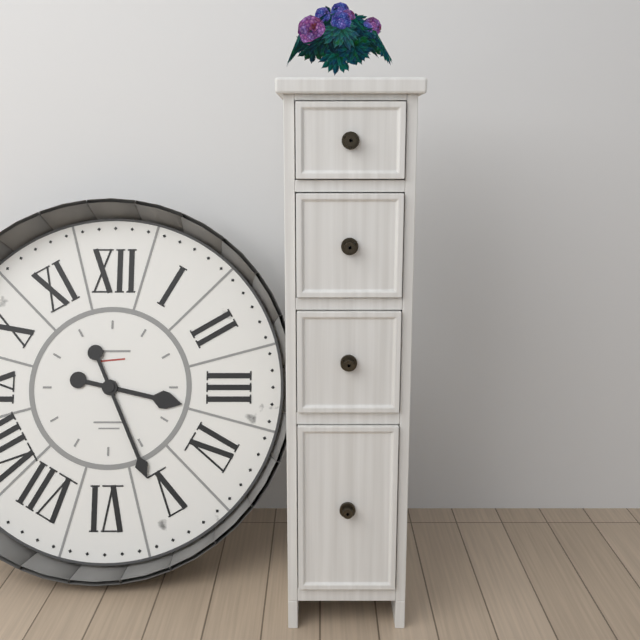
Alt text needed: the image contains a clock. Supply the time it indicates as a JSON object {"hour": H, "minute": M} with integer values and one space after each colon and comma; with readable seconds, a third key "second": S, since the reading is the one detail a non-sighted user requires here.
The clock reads {"hour": 3, "minute": 26}
